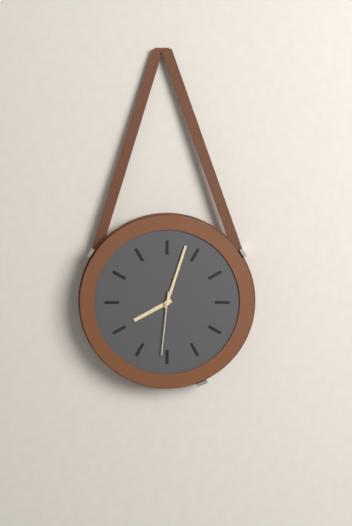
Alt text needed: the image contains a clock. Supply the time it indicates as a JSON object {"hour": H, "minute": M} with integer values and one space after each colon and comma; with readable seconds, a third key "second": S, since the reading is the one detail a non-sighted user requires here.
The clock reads {"hour": 8, "minute": 3, "second": 31}
